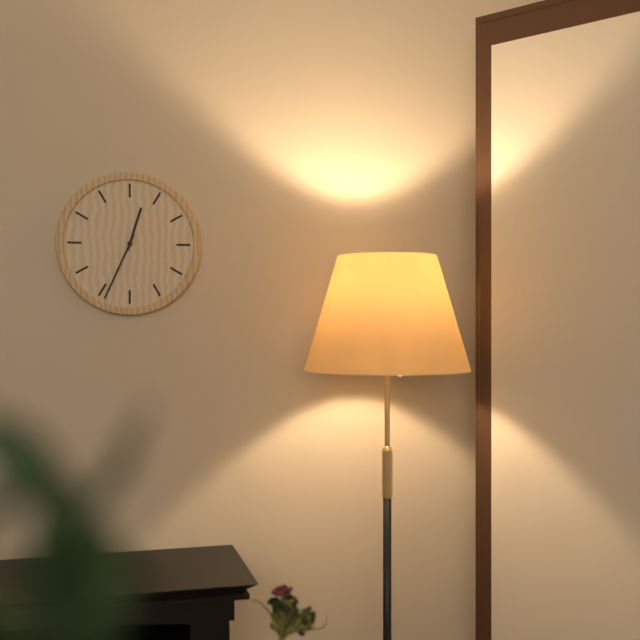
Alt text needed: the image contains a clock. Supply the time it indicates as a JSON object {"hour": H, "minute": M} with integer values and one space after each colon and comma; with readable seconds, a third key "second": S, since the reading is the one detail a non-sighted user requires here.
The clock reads {"hour": 12, "minute": 34}
